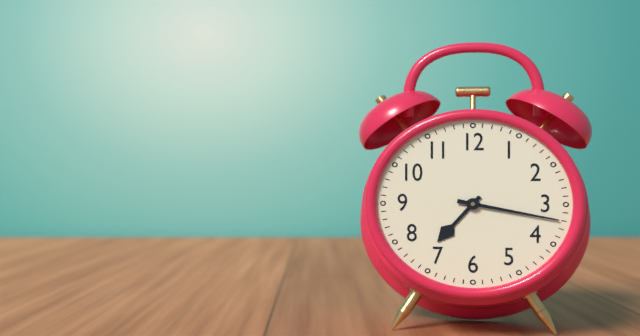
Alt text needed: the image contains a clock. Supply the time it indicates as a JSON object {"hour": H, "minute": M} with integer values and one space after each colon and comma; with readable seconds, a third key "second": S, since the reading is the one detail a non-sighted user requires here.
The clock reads {"hour": 7, "minute": 17}
